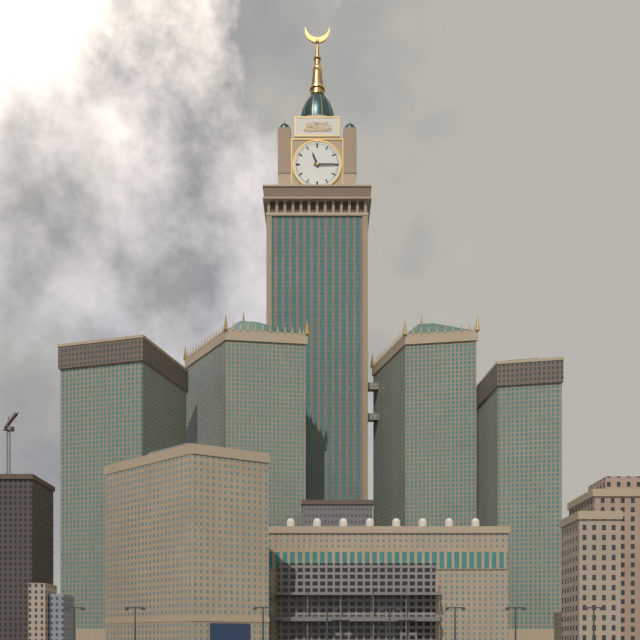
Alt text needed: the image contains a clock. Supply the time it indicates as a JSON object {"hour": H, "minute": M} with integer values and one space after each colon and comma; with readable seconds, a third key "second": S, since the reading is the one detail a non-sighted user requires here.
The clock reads {"hour": 11, "minute": 15}
